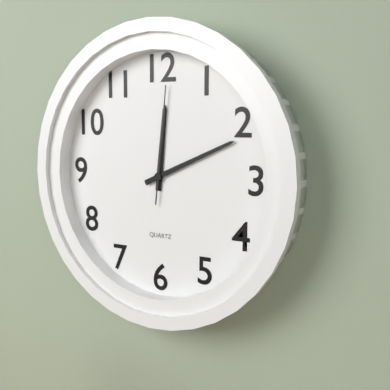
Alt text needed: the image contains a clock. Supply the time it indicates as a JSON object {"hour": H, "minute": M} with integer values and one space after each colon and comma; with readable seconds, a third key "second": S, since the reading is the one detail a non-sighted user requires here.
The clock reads {"hour": 12, "minute": 11, "second": 1}
